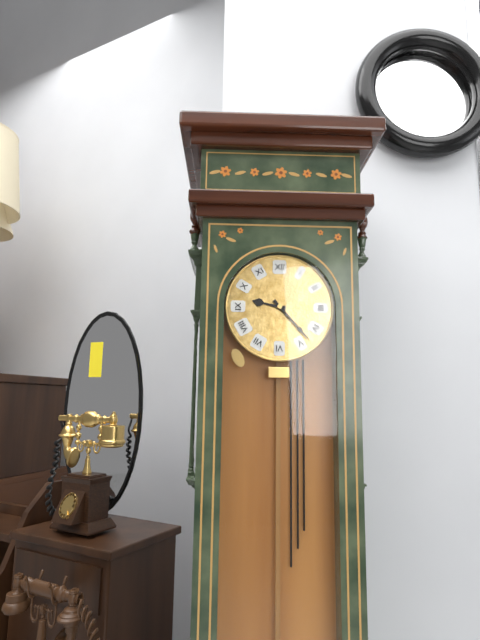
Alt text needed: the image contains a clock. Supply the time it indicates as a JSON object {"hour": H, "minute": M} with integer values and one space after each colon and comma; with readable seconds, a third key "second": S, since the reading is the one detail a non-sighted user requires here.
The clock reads {"hour": 9, "minute": 23}
